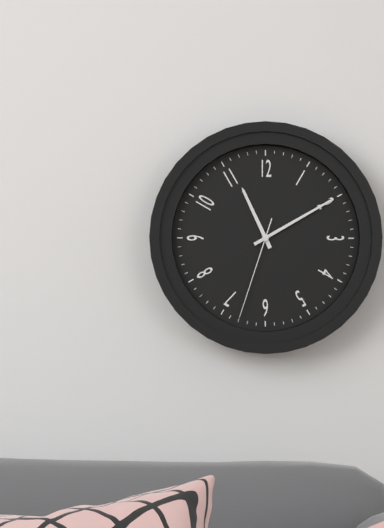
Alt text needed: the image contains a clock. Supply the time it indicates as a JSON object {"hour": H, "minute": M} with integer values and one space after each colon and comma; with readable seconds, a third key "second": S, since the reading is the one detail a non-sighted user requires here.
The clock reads {"hour": 11, "minute": 10, "second": 33}
